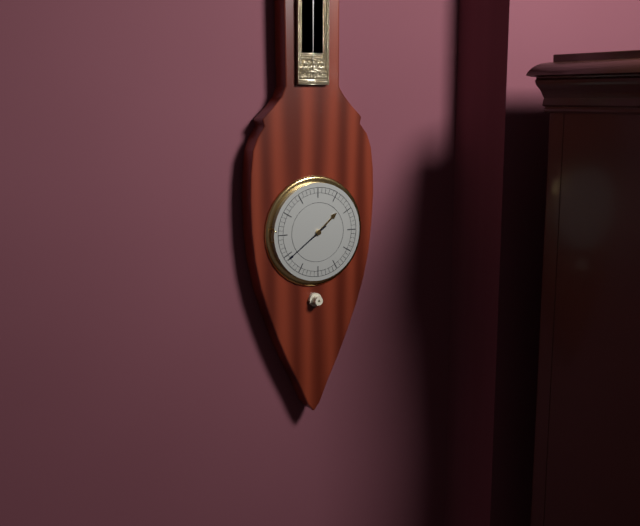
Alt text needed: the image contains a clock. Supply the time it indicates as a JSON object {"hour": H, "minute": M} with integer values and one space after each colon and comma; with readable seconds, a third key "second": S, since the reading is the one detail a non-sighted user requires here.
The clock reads {"hour": 1, "minute": 39}
